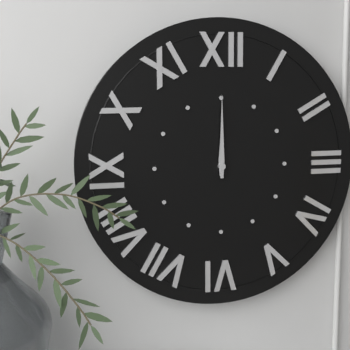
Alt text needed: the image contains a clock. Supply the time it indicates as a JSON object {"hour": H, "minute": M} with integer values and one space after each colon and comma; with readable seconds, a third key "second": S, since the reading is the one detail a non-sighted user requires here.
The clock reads {"hour": 12, "minute": 0}
